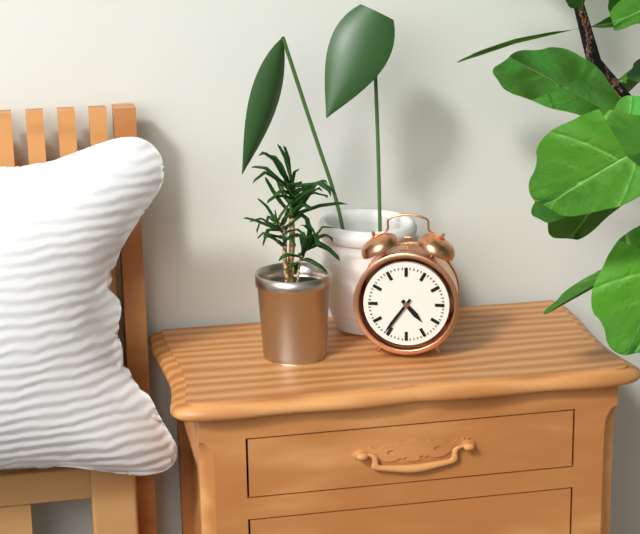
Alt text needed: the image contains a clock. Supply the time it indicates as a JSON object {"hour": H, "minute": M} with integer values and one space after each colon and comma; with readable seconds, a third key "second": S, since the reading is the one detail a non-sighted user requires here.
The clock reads {"hour": 4, "minute": 36}
